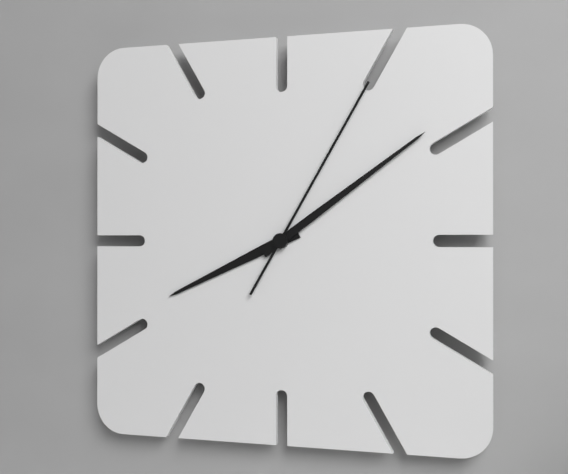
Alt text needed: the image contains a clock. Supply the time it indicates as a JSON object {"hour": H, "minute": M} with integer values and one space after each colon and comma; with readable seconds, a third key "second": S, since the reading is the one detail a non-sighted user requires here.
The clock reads {"hour": 8, "minute": 9, "second": 5}
